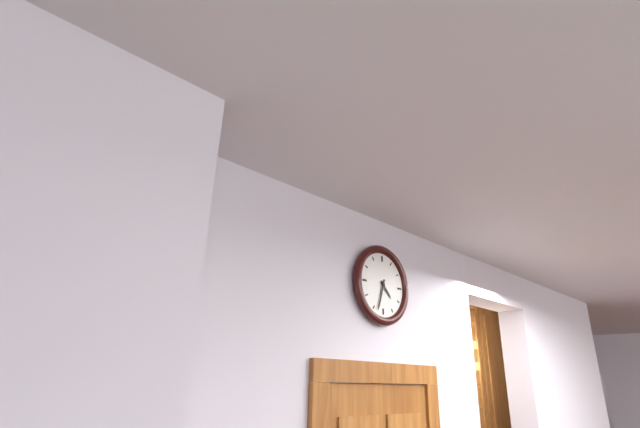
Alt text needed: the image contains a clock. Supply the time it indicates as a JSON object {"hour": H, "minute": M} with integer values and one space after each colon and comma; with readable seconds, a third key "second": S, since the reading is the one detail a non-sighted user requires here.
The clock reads {"hour": 4, "minute": 33}
